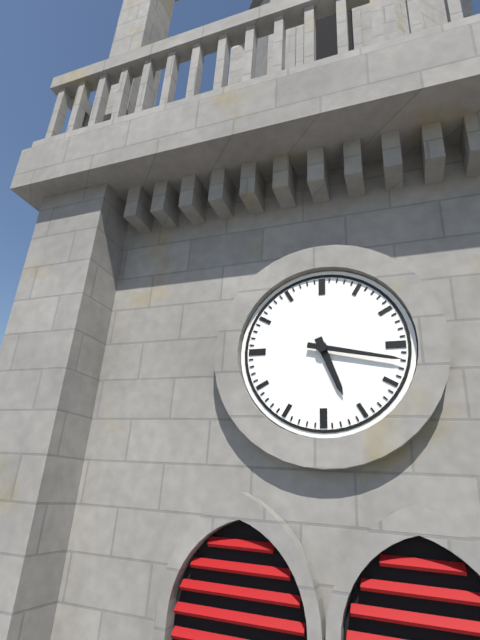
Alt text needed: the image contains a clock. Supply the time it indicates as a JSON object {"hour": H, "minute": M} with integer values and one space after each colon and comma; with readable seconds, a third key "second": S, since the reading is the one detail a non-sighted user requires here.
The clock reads {"hour": 5, "minute": 17}
